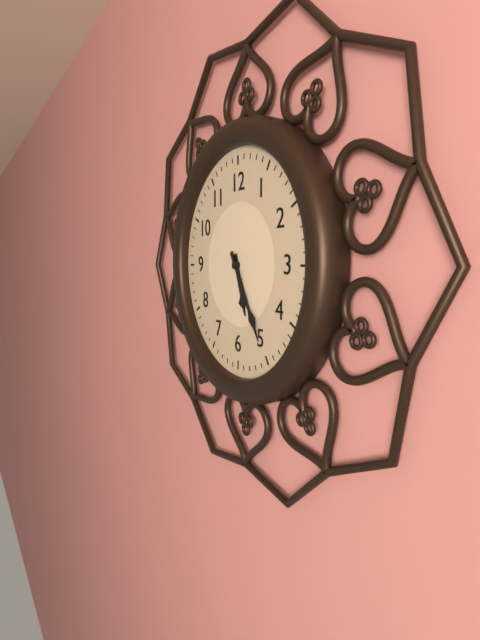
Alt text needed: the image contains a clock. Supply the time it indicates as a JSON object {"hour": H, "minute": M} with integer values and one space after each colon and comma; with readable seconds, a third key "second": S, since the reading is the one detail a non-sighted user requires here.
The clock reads {"hour": 5, "minute": 25}
